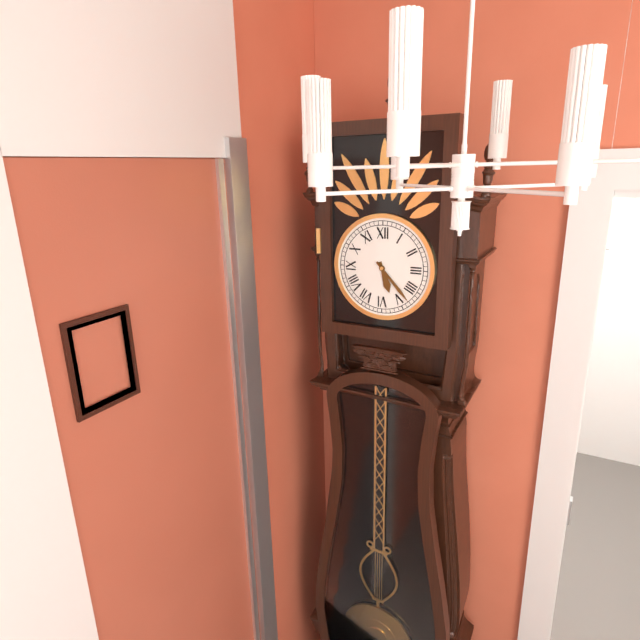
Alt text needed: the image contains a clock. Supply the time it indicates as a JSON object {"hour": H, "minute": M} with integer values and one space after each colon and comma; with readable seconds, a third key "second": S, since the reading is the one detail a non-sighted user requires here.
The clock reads {"hour": 5, "minute": 23}
